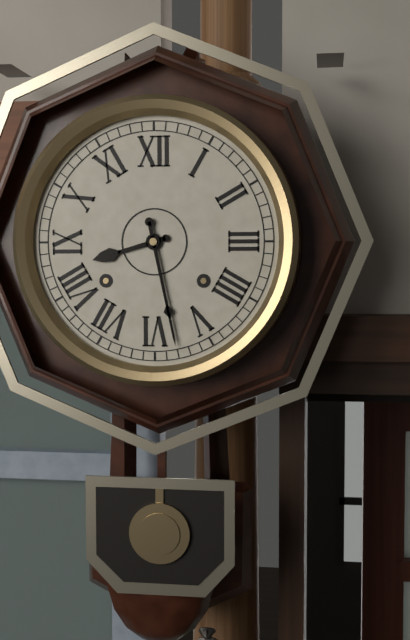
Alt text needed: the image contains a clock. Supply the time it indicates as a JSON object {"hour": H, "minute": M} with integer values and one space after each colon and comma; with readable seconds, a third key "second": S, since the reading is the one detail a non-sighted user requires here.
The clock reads {"hour": 8, "minute": 28}
